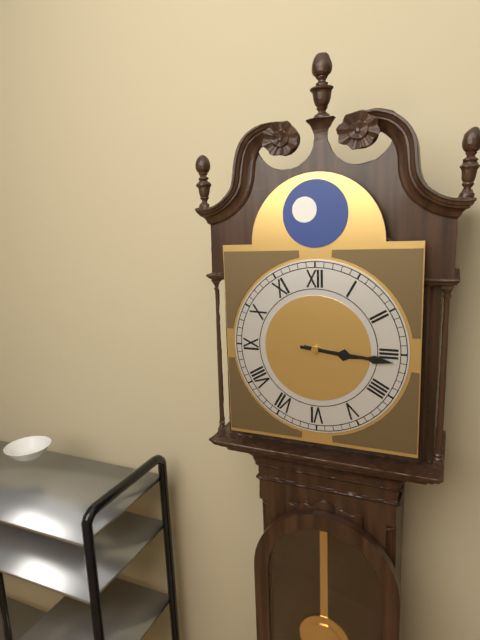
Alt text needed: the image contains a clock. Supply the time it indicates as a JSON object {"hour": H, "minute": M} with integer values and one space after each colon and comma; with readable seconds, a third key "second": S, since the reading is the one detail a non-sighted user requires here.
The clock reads {"hour": 3, "minute": 16}
